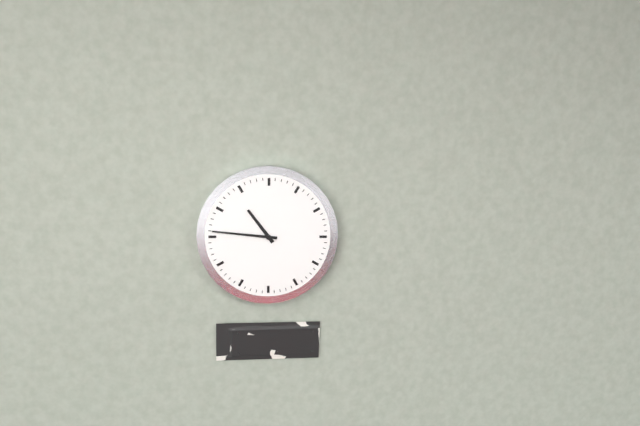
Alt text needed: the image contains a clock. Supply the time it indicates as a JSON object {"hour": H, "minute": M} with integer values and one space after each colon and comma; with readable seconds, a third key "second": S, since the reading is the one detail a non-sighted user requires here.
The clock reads {"hour": 10, "minute": 46}
